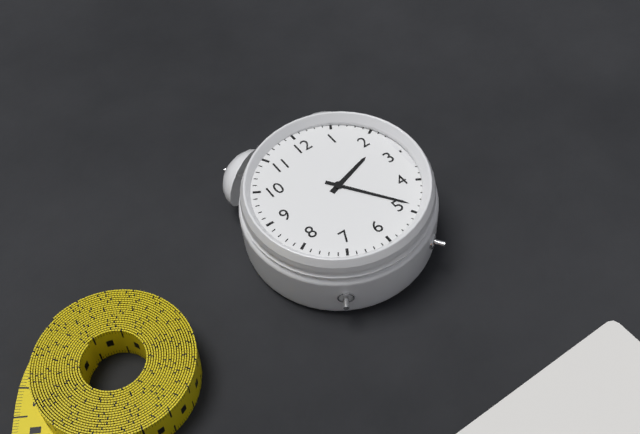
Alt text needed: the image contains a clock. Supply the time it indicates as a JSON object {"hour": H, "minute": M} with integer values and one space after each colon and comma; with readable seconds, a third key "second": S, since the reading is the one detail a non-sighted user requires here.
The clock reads {"hour": 2, "minute": 24}
